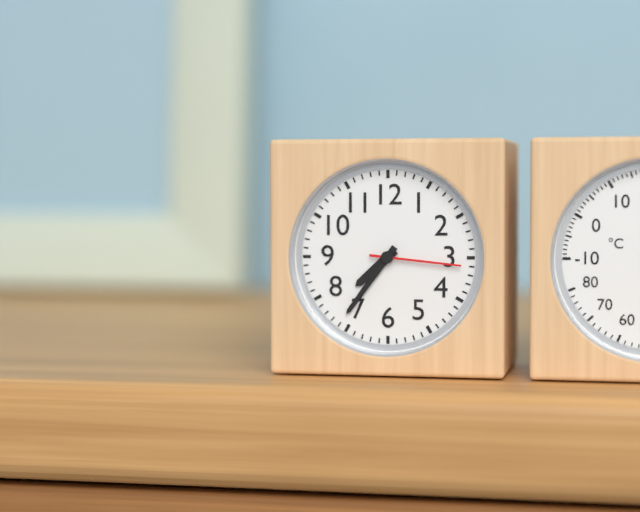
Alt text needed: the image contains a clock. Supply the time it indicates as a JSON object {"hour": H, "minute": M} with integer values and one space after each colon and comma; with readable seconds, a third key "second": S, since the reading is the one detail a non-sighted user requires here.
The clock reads {"hour": 7, "minute": 36, "second": 16}
